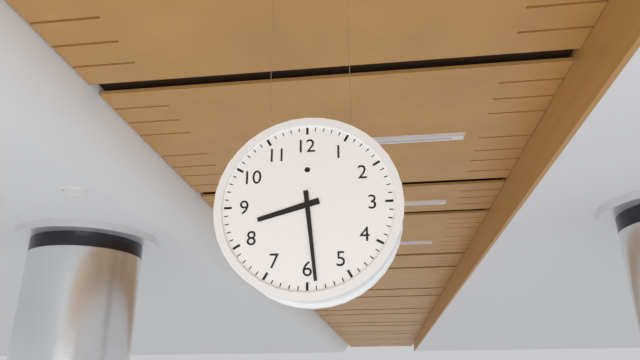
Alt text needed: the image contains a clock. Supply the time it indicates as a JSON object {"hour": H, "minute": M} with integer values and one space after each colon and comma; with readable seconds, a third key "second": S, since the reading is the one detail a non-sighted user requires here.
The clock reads {"hour": 8, "minute": 29}
